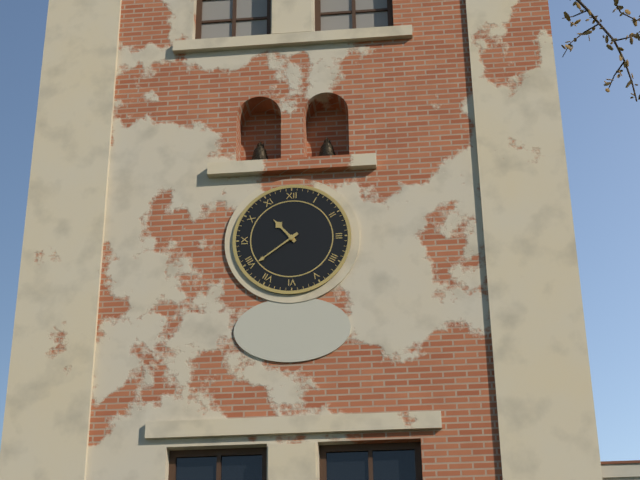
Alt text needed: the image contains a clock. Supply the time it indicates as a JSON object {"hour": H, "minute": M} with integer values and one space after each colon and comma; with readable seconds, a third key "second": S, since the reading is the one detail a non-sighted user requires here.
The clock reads {"hour": 10, "minute": 39}
